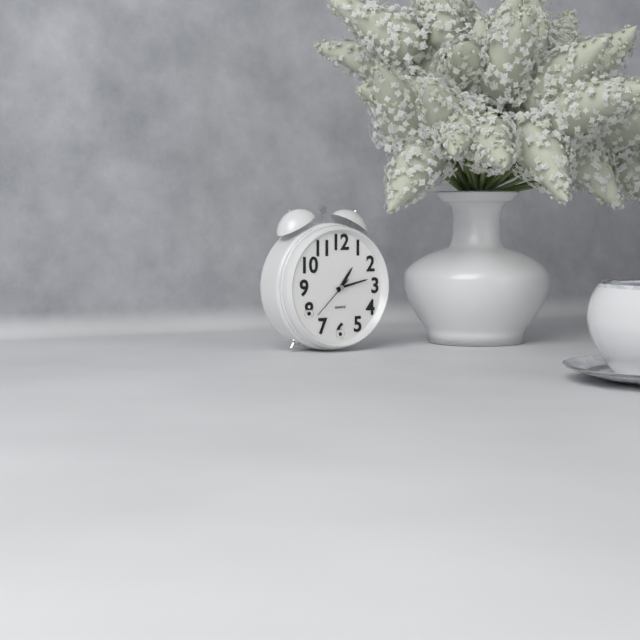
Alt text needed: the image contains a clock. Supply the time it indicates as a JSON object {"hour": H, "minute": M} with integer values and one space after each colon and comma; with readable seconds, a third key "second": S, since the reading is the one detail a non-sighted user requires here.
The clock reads {"hour": 1, "minute": 13}
